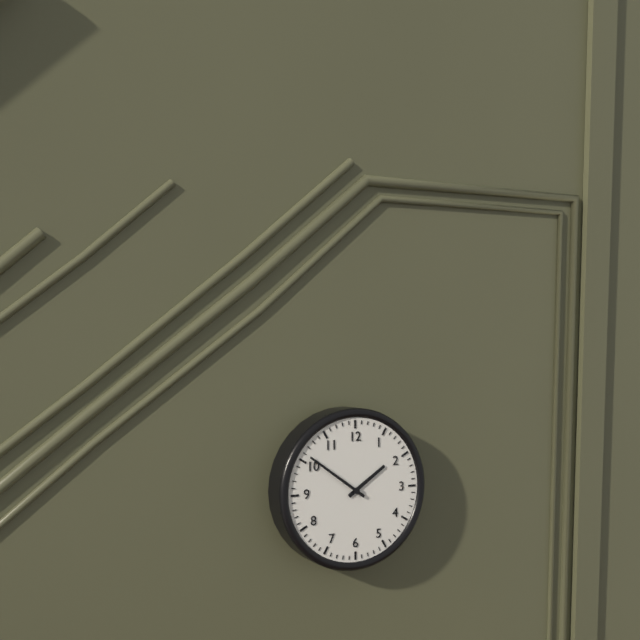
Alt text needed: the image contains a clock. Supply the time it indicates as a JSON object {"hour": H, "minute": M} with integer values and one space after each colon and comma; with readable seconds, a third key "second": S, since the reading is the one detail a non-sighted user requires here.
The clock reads {"hour": 1, "minute": 51}
